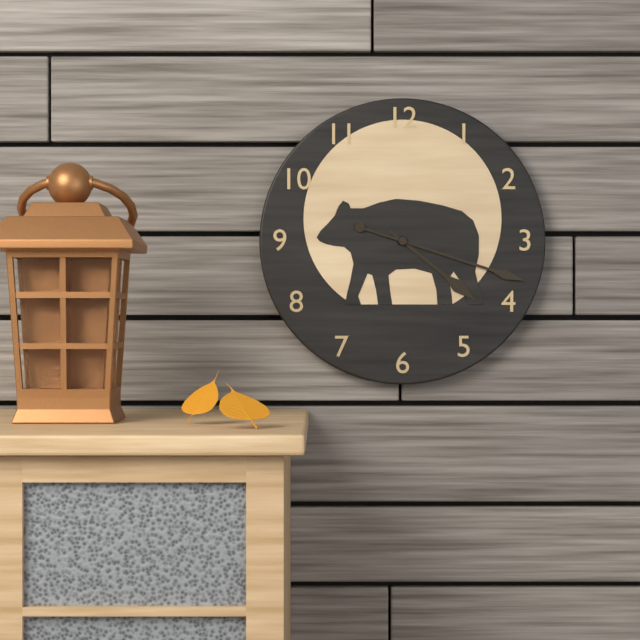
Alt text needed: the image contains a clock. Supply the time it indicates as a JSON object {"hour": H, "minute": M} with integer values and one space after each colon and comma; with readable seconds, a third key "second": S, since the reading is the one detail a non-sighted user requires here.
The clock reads {"hour": 4, "minute": 18}
